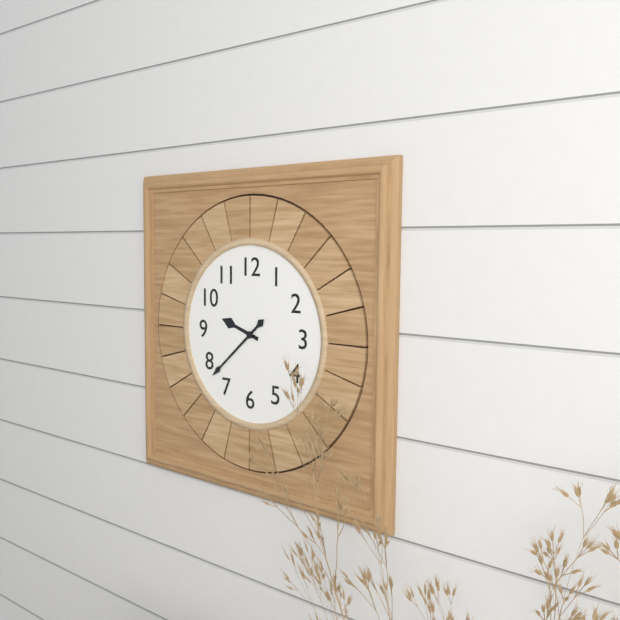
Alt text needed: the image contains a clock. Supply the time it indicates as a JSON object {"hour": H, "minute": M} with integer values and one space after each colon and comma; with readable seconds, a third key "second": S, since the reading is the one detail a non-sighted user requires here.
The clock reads {"hour": 9, "minute": 38}
